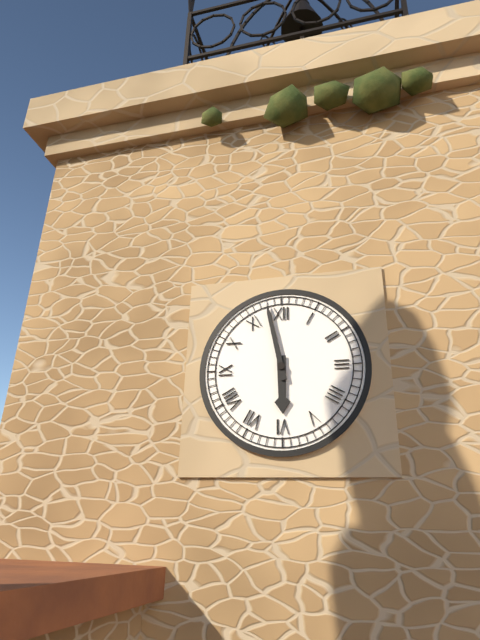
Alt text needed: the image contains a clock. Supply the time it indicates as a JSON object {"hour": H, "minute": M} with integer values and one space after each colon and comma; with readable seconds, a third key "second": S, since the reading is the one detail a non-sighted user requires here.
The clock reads {"hour": 5, "minute": 58}
